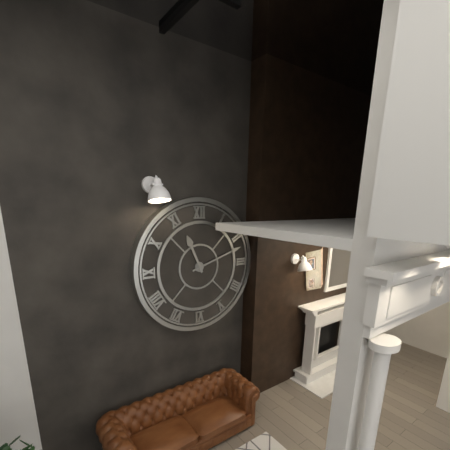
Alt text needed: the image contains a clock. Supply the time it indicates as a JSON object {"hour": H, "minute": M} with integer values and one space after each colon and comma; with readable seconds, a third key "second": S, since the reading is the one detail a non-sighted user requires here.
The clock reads {"hour": 11, "minute": 12}
